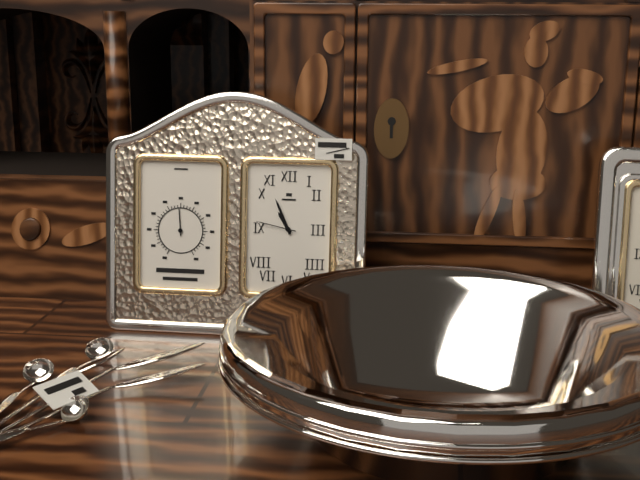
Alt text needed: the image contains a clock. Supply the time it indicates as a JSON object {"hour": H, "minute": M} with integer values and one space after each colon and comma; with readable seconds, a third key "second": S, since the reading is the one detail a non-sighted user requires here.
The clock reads {"hour": 10, "minute": 56}
